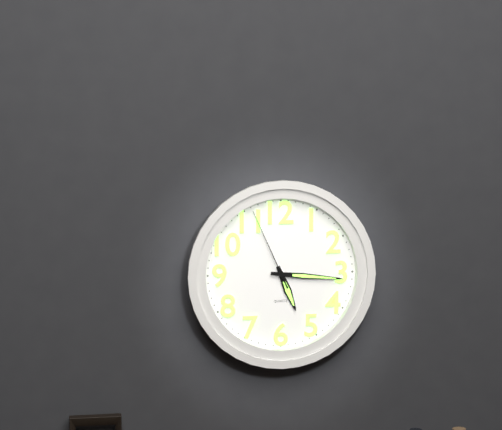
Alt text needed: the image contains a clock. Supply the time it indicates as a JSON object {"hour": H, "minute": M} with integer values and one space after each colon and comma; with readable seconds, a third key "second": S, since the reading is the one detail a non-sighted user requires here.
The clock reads {"hour": 5, "minute": 16, "second": 56}
